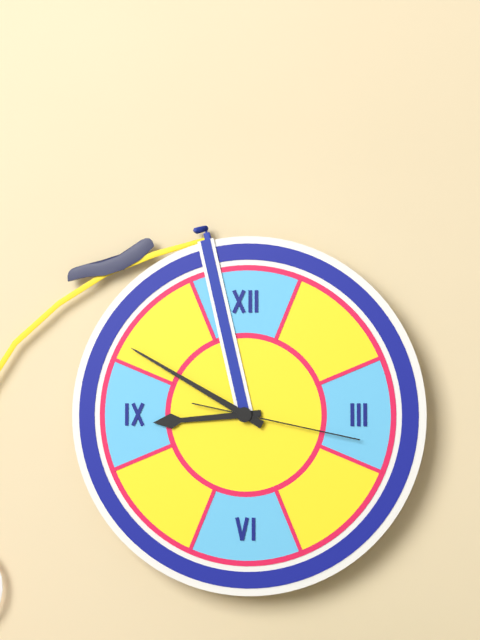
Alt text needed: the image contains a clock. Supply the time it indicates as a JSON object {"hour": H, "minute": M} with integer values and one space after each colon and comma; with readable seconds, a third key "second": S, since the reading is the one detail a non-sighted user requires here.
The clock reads {"hour": 8, "minute": 50, "second": 17}
